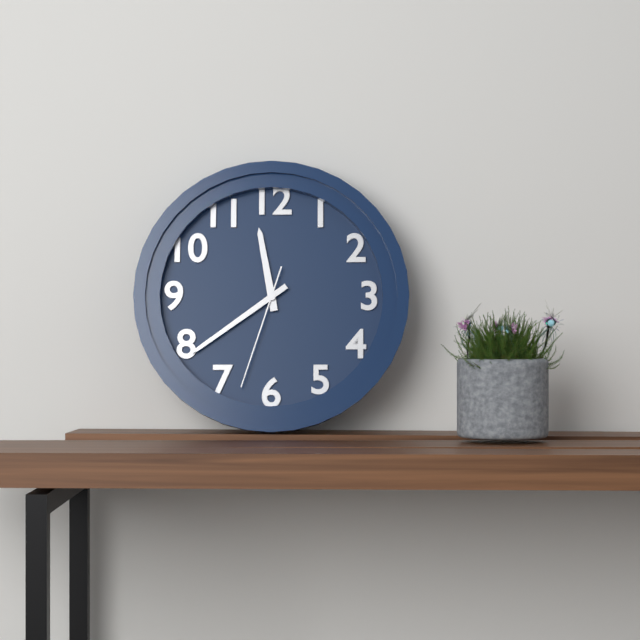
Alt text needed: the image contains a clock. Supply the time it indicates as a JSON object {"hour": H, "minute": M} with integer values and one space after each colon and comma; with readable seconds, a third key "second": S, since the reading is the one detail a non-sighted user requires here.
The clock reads {"hour": 11, "minute": 39, "second": 33}
